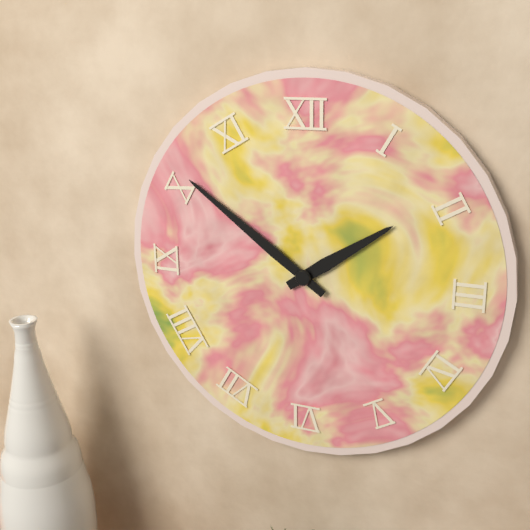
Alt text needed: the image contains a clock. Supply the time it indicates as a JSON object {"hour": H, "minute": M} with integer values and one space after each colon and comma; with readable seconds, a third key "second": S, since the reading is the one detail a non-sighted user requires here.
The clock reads {"hour": 1, "minute": 51}
